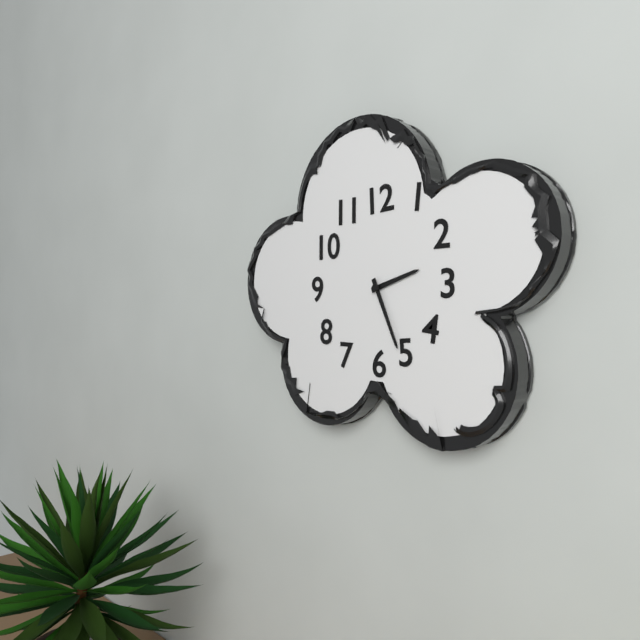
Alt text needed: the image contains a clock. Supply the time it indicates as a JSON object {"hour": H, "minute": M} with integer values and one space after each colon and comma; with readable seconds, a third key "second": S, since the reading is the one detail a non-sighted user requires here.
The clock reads {"hour": 2, "minute": 26}
